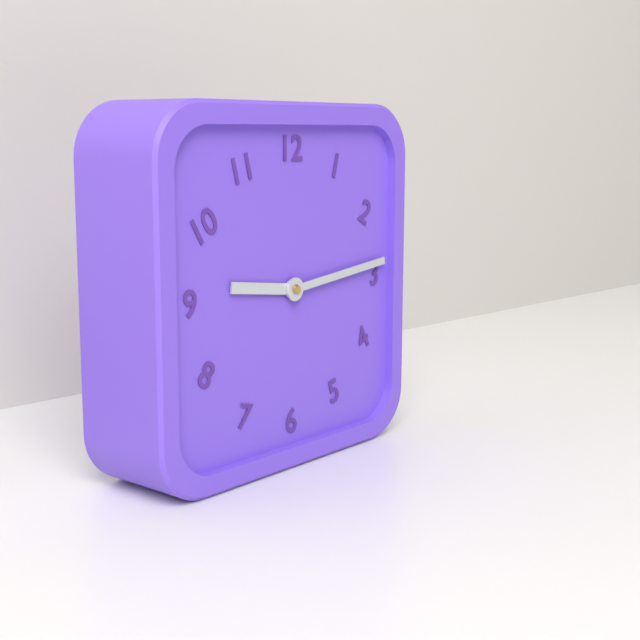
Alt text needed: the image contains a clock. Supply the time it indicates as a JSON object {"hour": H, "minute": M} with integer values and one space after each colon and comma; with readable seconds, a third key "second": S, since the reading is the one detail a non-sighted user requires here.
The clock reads {"hour": 9, "minute": 14}
